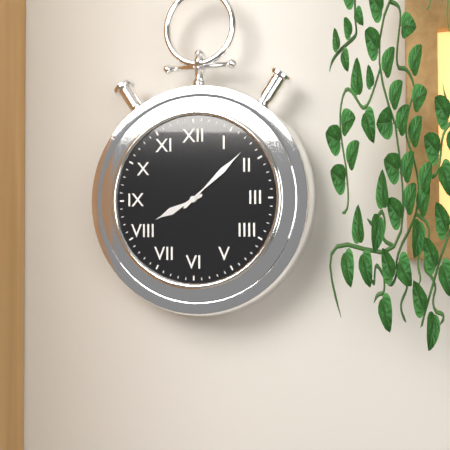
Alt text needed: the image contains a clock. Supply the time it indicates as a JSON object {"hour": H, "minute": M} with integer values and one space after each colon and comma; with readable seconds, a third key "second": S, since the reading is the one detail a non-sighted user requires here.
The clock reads {"hour": 8, "minute": 8}
